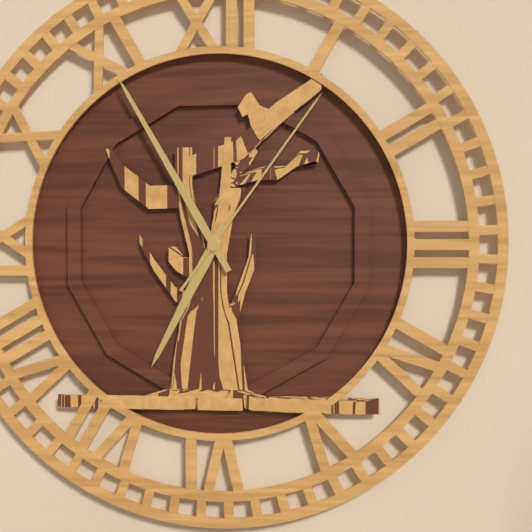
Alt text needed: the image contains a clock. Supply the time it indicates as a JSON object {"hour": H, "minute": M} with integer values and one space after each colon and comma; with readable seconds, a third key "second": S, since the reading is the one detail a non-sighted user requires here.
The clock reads {"hour": 6, "minute": 55, "second": 6}
